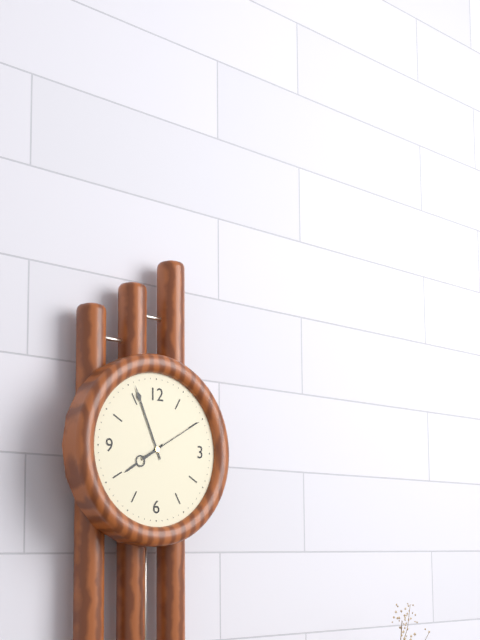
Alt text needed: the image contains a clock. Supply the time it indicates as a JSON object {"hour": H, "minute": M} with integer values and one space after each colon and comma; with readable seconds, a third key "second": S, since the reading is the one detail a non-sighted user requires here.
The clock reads {"hour": 7, "minute": 56, "second": 10}
